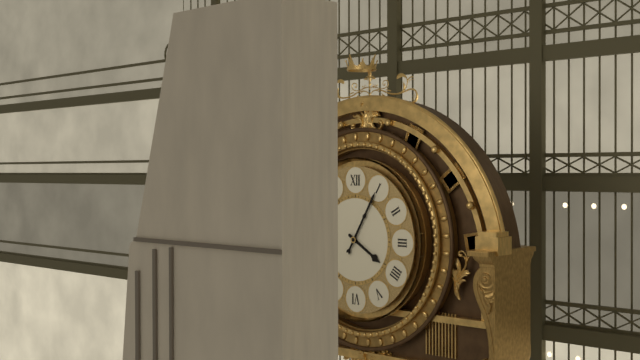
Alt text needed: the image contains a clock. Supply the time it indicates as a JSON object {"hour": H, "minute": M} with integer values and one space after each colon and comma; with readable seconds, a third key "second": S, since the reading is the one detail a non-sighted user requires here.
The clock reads {"hour": 4, "minute": 5}
